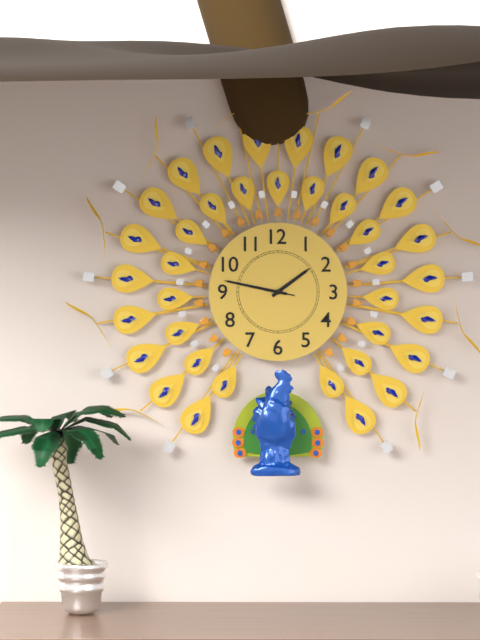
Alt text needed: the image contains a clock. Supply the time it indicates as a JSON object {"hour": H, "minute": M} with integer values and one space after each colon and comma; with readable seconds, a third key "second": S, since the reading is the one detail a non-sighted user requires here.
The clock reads {"hour": 1, "minute": 47, "second": 47}
